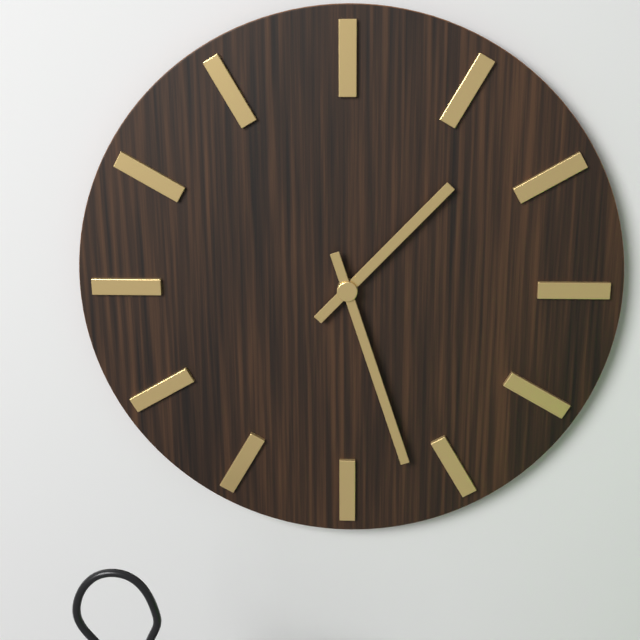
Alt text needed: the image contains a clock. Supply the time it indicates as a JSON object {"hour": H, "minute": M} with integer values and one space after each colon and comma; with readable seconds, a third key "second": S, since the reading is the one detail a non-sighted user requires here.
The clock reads {"hour": 1, "minute": 27}
